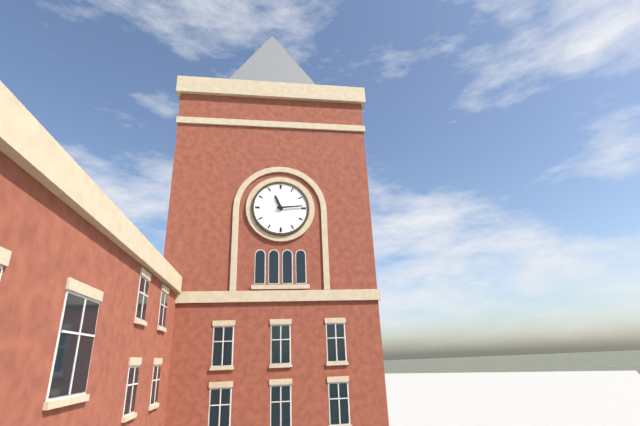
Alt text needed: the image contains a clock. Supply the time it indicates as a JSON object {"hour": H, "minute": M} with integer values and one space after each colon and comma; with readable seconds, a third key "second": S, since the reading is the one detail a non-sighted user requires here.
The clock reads {"hour": 11, "minute": 14}
